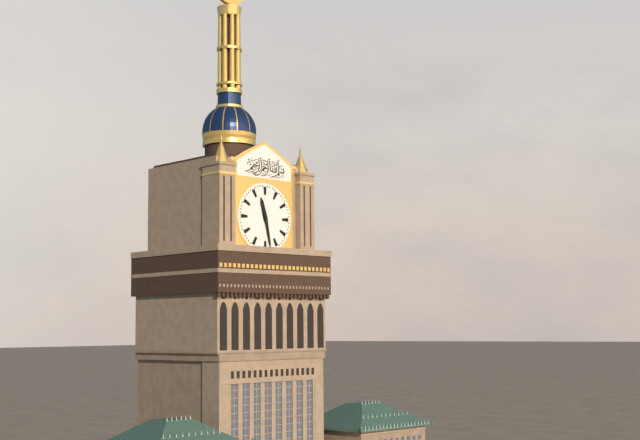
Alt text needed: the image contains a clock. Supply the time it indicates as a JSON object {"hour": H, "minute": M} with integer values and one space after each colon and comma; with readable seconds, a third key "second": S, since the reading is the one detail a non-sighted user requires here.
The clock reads {"hour": 11, "minute": 28}
